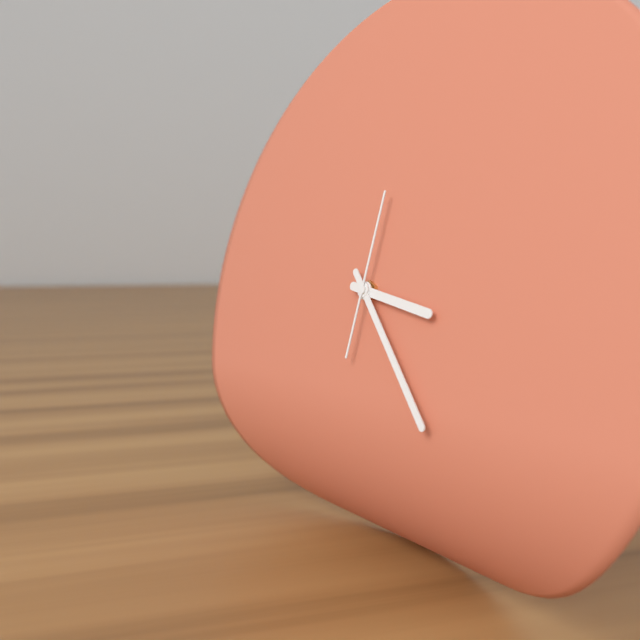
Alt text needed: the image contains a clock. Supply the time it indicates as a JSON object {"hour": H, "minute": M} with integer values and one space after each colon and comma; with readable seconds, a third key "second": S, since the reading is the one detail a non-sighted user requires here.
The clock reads {"hour": 3, "minute": 23, "second": 1}
